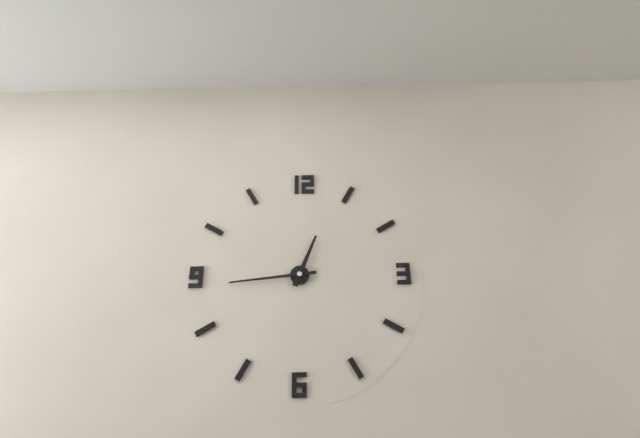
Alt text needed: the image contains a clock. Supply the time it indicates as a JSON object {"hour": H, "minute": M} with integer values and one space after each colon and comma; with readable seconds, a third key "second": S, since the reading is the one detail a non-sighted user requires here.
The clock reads {"hour": 12, "minute": 44}
